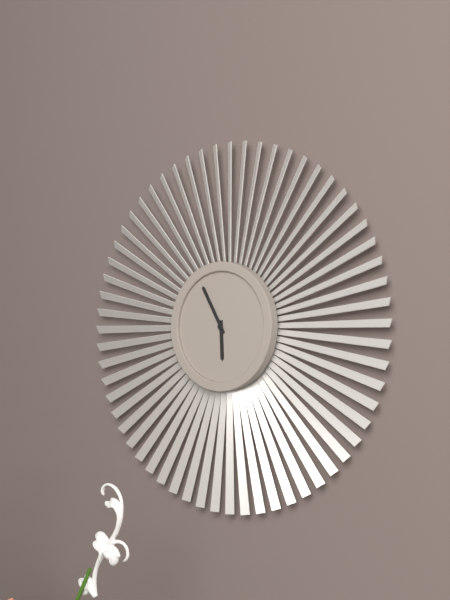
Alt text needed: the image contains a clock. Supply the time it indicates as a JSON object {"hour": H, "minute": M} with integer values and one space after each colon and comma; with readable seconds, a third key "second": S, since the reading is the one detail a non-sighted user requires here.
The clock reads {"hour": 5, "minute": 55}
